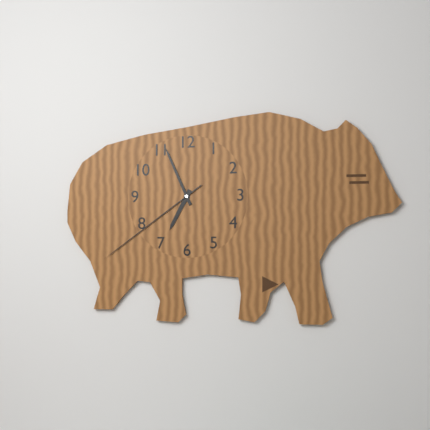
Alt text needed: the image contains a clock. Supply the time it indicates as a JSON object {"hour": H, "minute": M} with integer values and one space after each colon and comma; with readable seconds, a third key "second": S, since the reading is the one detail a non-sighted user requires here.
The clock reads {"hour": 6, "minute": 56, "second": 39}
